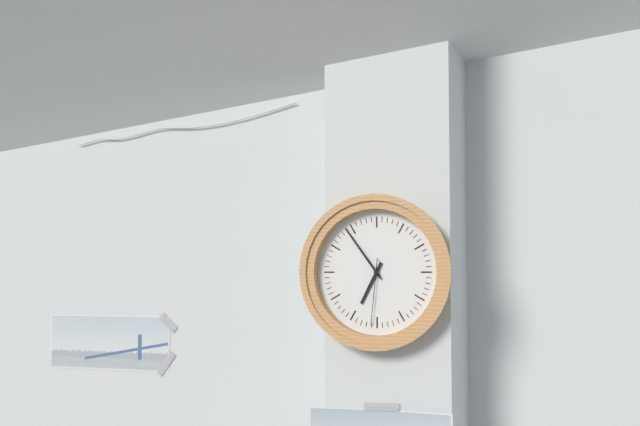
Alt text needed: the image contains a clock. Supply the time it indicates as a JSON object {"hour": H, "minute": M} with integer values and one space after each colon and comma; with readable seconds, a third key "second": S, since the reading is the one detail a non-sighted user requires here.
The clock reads {"hour": 6, "minute": 54, "second": 31}
